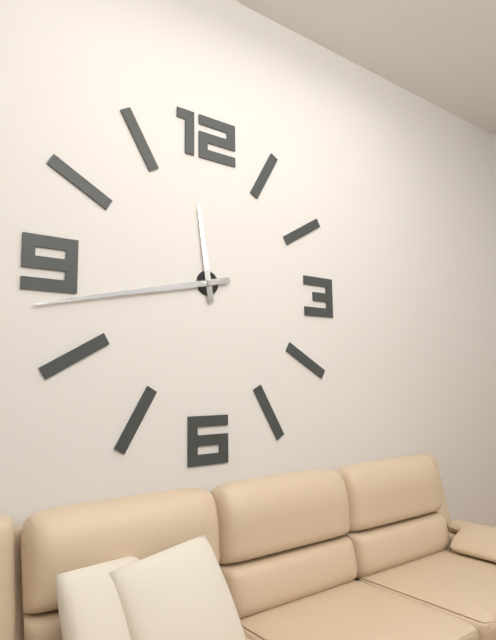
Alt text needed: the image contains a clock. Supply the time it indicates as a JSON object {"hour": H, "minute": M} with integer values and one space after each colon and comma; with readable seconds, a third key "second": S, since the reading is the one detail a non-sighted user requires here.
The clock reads {"hour": 11, "minute": 43}
